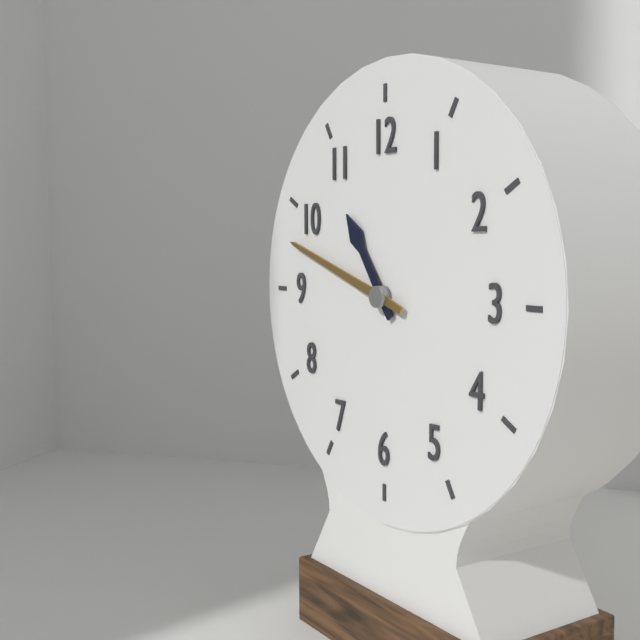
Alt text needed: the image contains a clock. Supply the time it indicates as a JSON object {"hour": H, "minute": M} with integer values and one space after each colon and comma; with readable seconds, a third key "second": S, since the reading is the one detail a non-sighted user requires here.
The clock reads {"hour": 10, "minute": 48}
